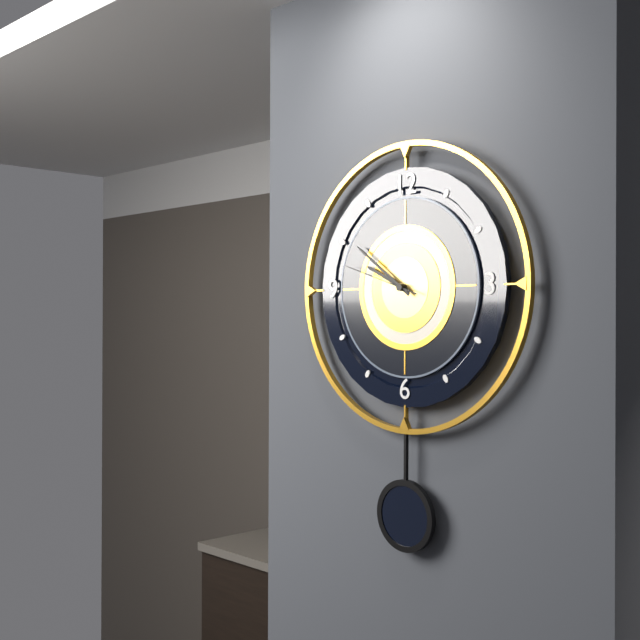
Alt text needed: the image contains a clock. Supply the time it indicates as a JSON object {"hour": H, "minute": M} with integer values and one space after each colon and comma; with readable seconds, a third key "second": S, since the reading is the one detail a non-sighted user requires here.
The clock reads {"hour": 9, "minute": 51, "second": 48}
